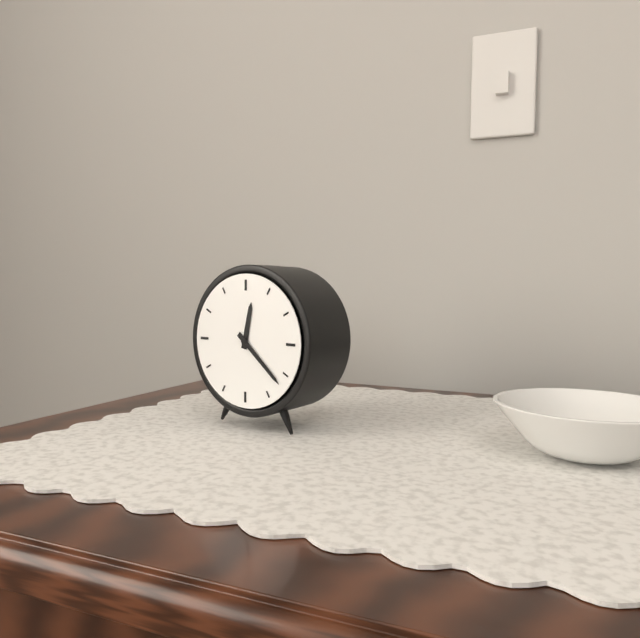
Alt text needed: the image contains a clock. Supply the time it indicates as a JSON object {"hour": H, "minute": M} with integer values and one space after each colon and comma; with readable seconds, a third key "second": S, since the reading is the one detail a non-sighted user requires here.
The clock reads {"hour": 12, "minute": 22}
